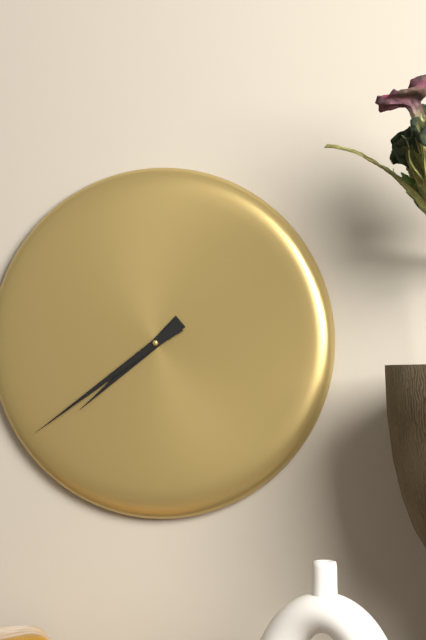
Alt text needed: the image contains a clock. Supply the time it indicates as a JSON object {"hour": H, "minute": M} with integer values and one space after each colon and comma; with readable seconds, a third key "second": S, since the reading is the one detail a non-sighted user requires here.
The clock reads {"hour": 7, "minute": 39}
